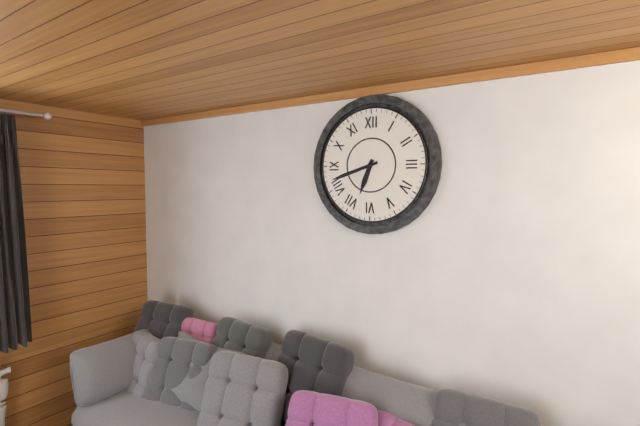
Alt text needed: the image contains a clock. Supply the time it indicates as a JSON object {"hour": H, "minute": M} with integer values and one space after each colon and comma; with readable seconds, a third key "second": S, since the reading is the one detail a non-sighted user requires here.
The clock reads {"hour": 6, "minute": 42}
